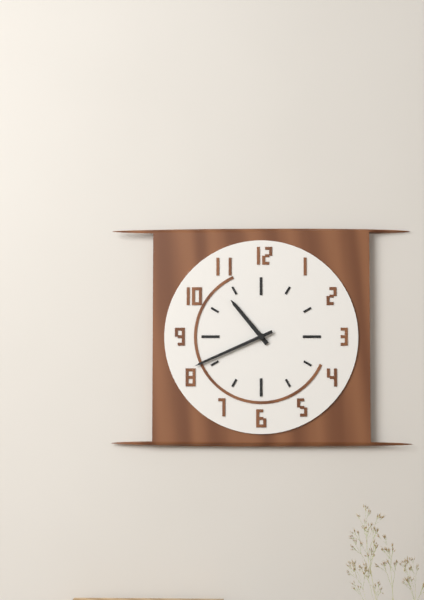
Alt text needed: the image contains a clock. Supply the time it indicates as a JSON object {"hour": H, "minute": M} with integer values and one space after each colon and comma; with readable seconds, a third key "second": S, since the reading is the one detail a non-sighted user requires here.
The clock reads {"hour": 10, "minute": 41}
